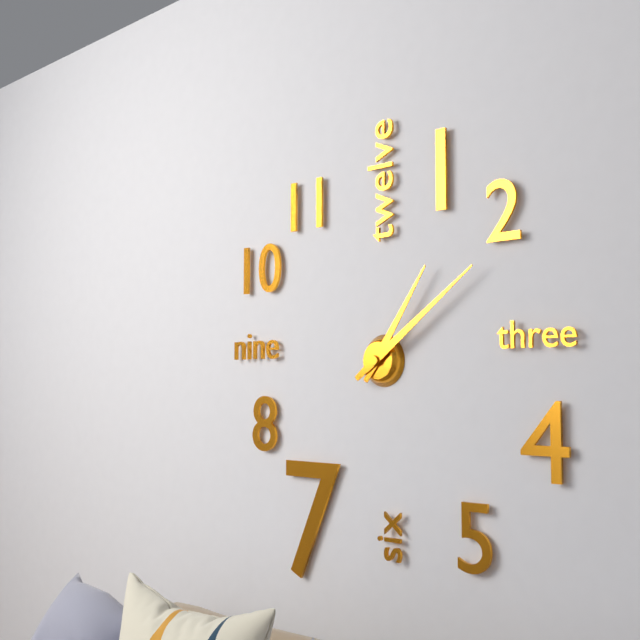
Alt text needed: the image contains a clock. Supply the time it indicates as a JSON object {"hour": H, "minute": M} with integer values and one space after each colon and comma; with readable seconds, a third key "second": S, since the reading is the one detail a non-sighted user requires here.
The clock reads {"hour": 1, "minute": 9}
